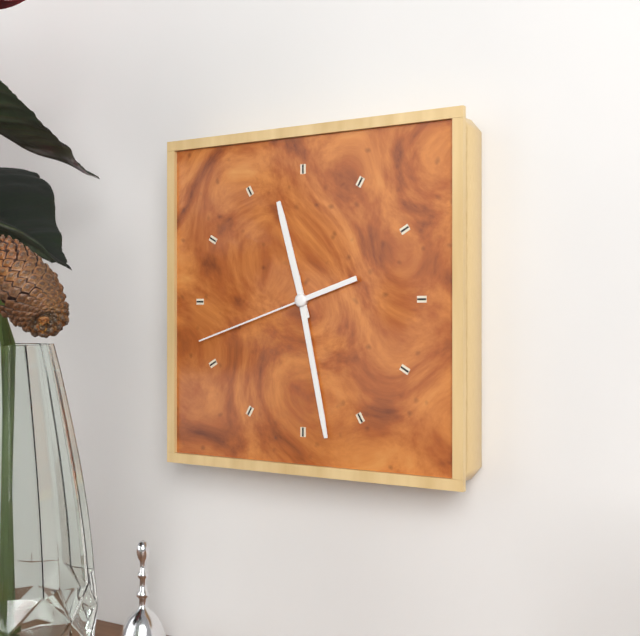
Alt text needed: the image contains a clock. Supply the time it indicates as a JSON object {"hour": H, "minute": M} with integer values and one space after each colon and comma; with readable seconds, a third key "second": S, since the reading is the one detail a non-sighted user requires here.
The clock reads {"hour": 11, "minute": 28, "second": 42}
